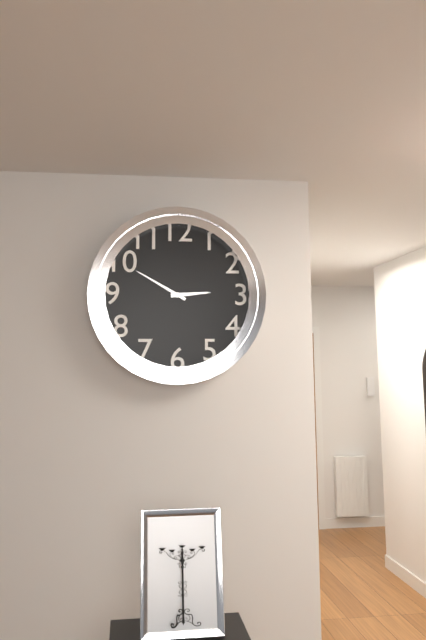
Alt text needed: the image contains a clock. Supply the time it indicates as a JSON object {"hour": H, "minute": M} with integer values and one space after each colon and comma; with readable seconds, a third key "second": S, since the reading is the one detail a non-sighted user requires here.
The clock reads {"hour": 2, "minute": 50}
